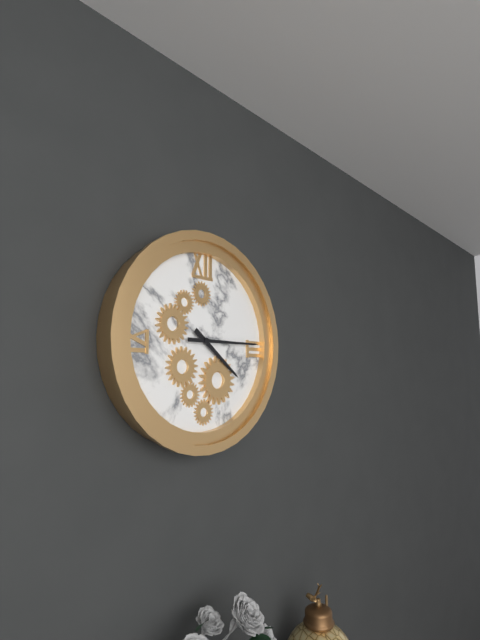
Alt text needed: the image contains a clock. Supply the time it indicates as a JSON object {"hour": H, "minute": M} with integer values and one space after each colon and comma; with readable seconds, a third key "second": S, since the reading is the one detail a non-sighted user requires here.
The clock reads {"hour": 4, "minute": 15}
